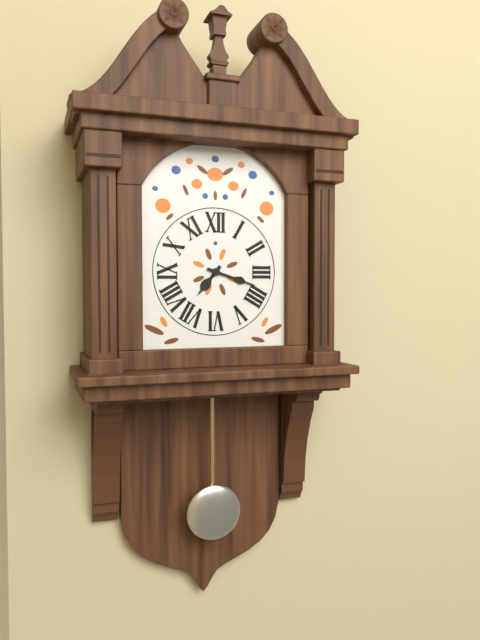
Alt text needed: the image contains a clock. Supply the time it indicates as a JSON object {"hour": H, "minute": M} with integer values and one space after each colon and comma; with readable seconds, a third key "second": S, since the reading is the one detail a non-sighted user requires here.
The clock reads {"hour": 7, "minute": 18}
